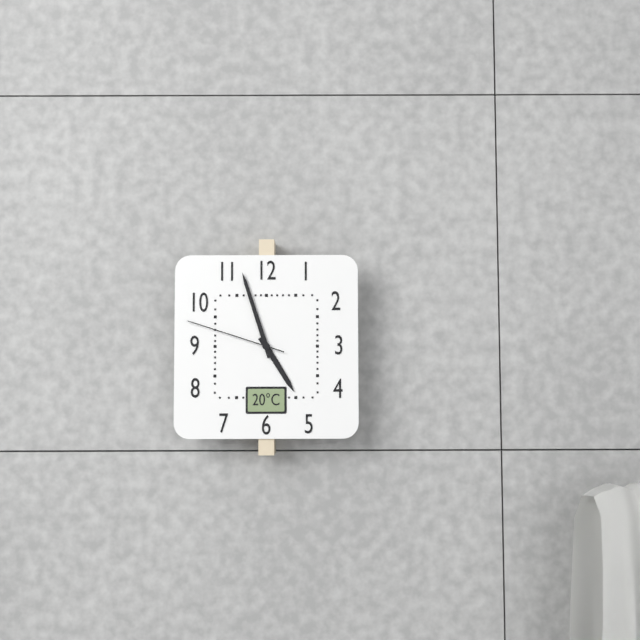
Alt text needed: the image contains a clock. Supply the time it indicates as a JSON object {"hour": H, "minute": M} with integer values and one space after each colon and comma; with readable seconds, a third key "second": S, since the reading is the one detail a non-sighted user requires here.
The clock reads {"hour": 4, "minute": 57, "second": 48}
